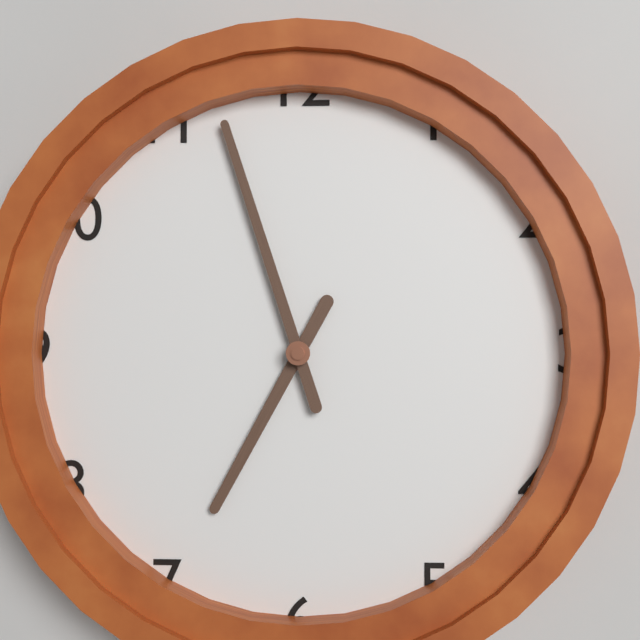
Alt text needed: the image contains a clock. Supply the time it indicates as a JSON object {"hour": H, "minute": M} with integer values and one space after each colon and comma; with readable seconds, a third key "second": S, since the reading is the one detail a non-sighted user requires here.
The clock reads {"hour": 6, "minute": 57}
